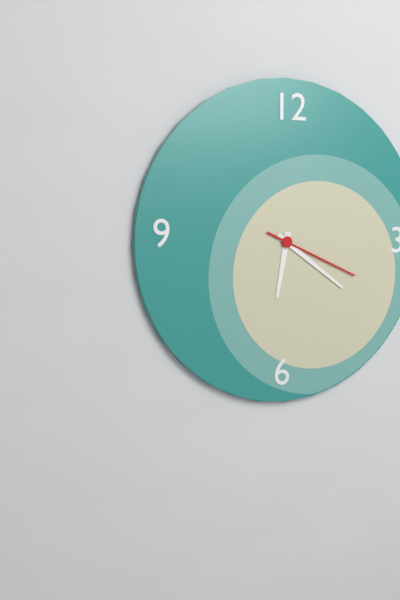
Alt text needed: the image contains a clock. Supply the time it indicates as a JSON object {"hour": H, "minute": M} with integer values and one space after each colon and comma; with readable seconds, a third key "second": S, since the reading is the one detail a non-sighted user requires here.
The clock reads {"hour": 6, "minute": 21, "second": 19}
